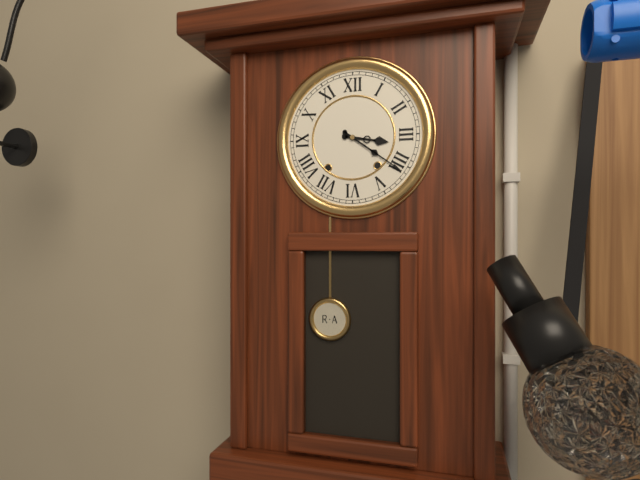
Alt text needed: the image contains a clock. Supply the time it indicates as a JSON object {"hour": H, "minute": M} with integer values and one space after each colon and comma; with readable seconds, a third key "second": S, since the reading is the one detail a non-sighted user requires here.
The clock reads {"hour": 3, "minute": 21}
